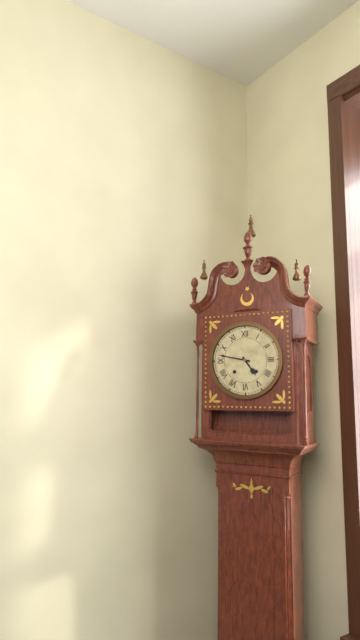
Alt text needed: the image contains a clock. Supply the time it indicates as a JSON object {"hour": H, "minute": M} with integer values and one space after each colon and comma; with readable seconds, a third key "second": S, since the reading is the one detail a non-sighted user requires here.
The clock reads {"hour": 4, "minute": 47}
